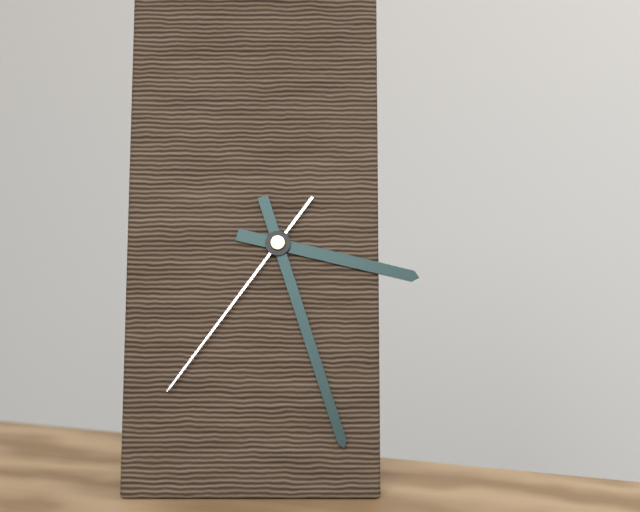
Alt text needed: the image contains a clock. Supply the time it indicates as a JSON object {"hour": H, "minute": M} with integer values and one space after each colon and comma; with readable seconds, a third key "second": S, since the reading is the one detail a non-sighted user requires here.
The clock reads {"hour": 3, "minute": 27, "second": 36}
